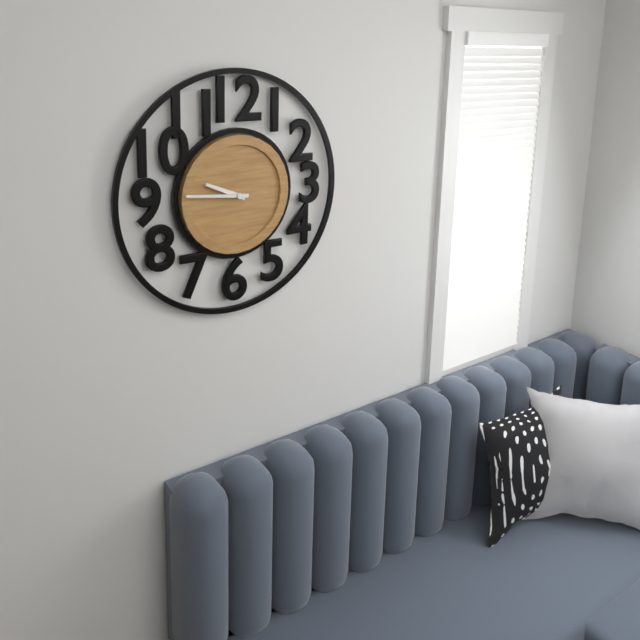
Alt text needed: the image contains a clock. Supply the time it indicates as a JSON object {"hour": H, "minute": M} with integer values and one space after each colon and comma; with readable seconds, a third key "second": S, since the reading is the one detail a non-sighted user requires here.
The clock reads {"hour": 9, "minute": 46}
